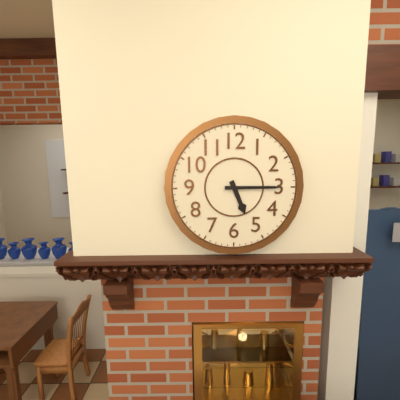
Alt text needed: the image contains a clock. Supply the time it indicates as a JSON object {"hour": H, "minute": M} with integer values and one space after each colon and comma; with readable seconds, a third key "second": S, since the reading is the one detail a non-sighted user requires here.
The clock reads {"hour": 5, "minute": 15}
